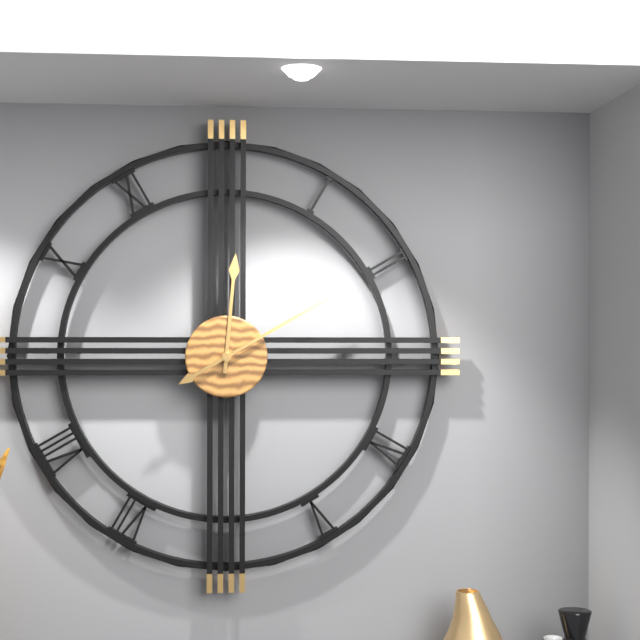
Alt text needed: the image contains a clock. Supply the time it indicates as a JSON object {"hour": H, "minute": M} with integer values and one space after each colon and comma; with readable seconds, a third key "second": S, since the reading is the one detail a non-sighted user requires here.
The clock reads {"hour": 12, "minute": 10}
